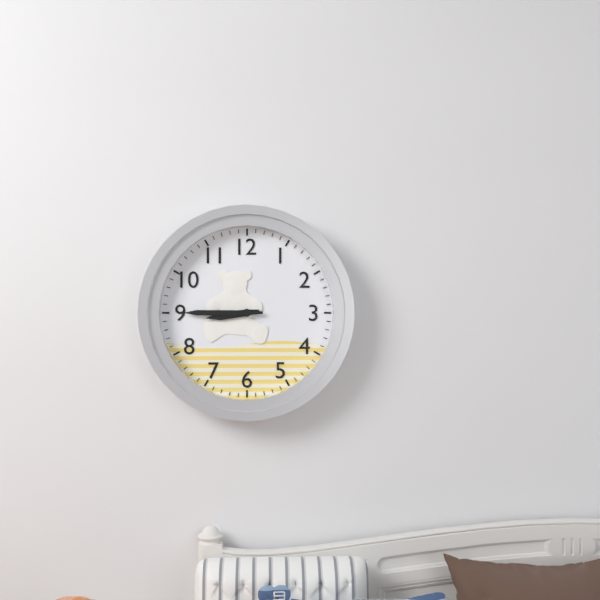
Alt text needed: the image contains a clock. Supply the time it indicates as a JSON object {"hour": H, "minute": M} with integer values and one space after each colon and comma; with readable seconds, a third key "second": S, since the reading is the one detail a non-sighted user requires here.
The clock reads {"hour": 8, "minute": 45}
